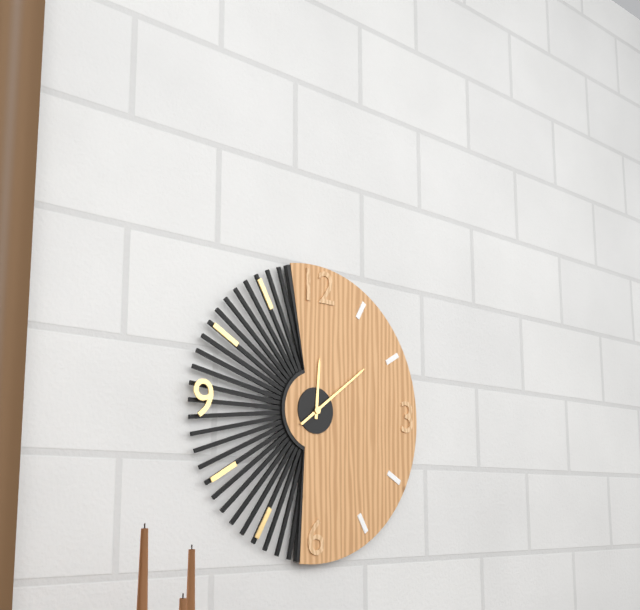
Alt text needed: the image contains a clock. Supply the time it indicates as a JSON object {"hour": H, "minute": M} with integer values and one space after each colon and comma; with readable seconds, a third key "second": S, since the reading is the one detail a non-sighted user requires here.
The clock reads {"hour": 12, "minute": 9}
